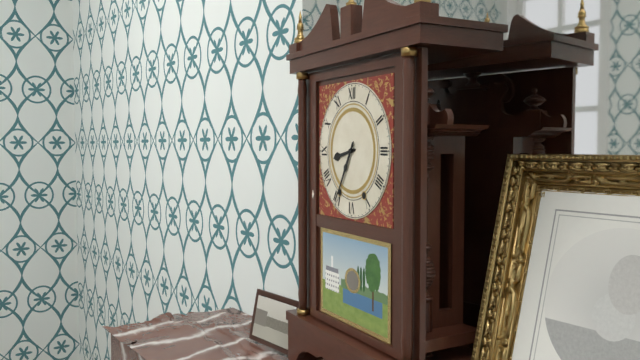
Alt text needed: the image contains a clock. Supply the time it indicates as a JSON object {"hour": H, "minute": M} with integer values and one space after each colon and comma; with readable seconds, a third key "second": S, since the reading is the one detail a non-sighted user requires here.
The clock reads {"hour": 8, "minute": 35}
